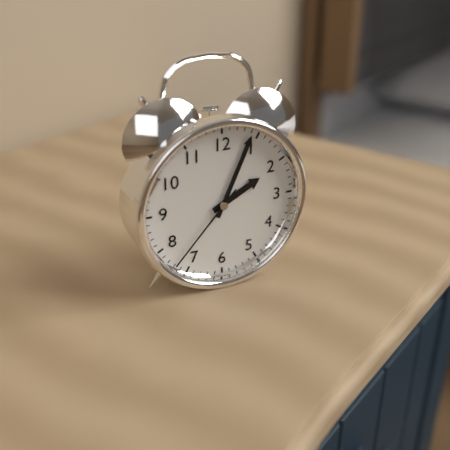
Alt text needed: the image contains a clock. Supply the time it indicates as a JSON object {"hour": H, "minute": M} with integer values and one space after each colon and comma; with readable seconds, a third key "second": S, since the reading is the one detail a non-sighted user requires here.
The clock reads {"hour": 2, "minute": 4, "second": 37}
